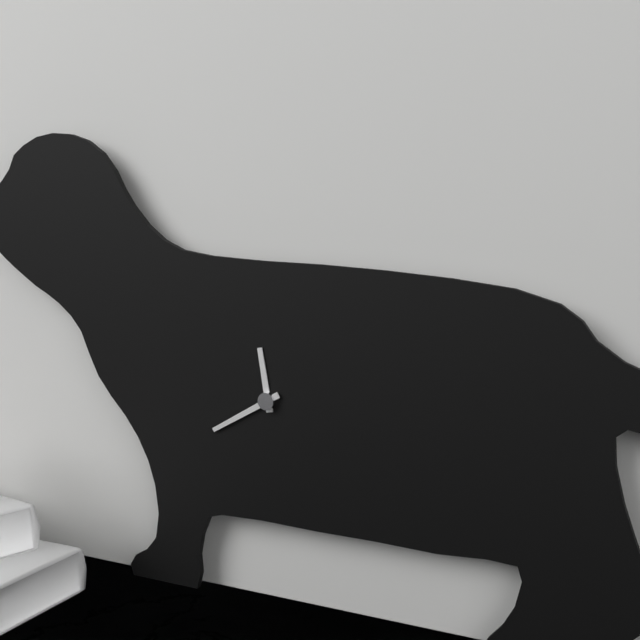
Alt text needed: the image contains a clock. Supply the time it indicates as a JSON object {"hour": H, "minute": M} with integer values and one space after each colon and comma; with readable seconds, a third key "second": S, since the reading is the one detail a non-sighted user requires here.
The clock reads {"hour": 11, "minute": 40}
